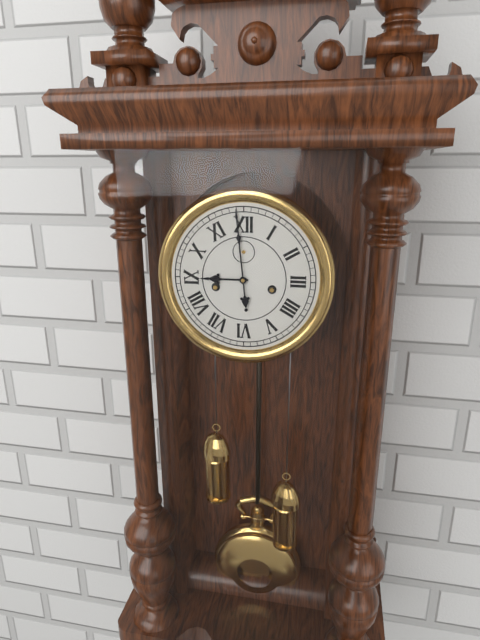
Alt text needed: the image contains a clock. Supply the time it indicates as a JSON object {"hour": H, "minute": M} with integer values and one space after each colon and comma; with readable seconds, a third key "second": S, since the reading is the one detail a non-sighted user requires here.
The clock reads {"hour": 8, "minute": 59}
